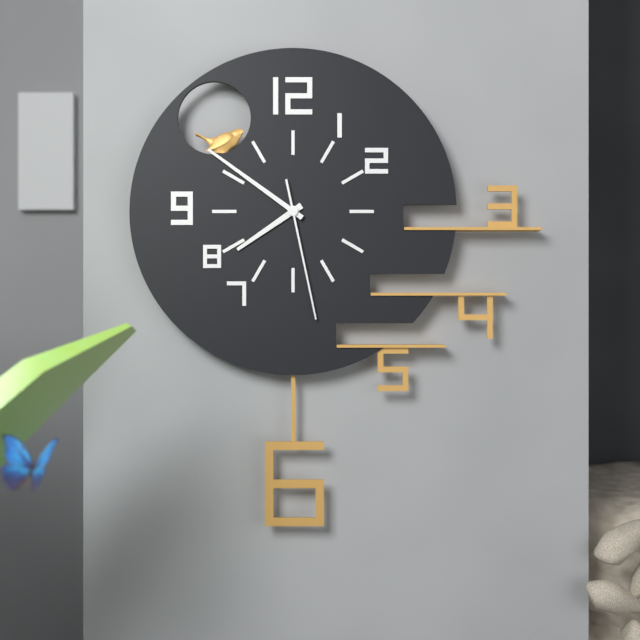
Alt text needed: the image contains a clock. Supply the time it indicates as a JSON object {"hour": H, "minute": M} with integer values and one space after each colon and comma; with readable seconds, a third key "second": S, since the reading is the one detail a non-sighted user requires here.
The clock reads {"hour": 7, "minute": 51, "second": 28}
